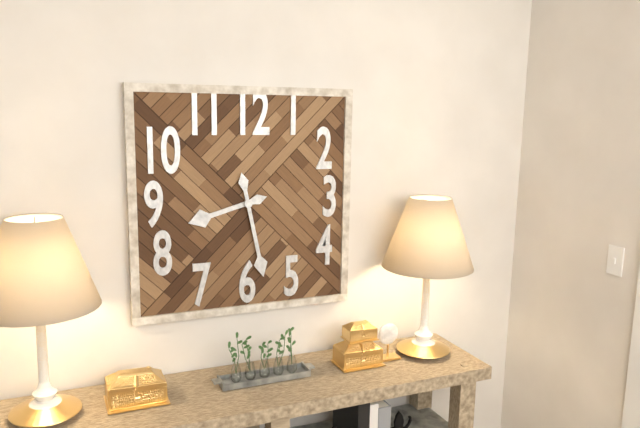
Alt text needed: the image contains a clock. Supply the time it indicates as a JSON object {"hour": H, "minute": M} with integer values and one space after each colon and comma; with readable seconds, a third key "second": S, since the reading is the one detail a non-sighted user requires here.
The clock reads {"hour": 8, "minute": 28}
